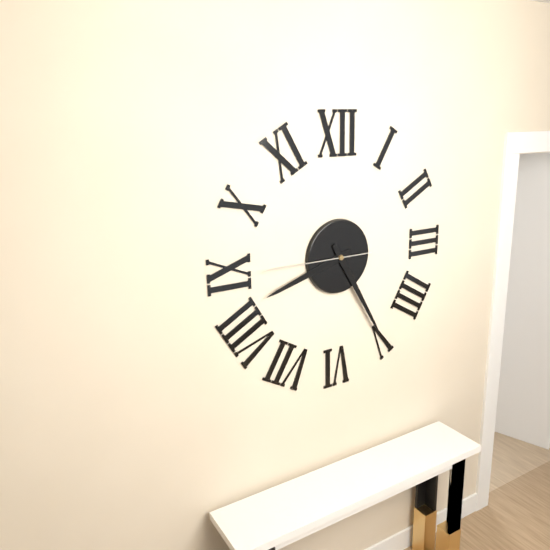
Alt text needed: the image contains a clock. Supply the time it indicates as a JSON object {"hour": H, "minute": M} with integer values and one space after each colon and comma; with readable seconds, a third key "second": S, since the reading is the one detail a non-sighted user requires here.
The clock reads {"hour": 8, "minute": 25, "second": 45}
